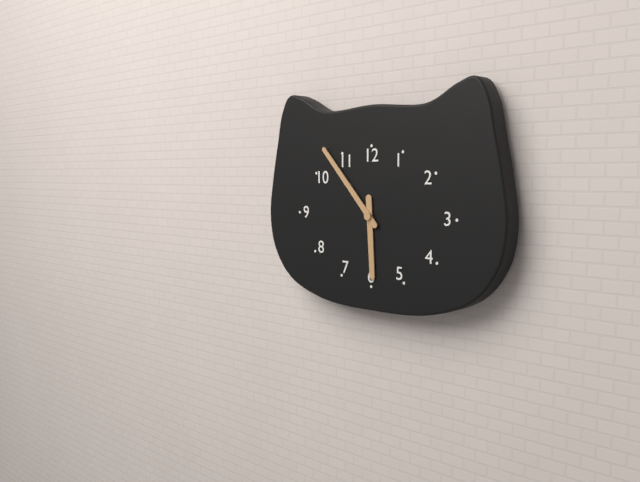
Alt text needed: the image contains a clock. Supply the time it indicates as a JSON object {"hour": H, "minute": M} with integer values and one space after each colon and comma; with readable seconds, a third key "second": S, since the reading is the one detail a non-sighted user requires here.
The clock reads {"hour": 5, "minute": 53}
